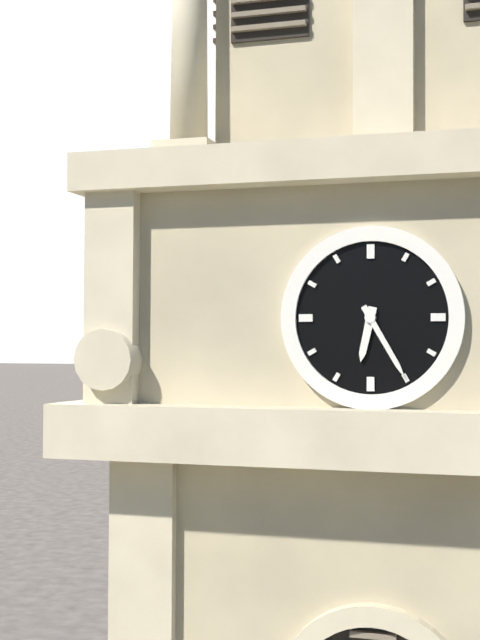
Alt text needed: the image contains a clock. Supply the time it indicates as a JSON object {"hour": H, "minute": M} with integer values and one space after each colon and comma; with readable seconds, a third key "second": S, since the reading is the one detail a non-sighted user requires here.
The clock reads {"hour": 6, "minute": 25}
